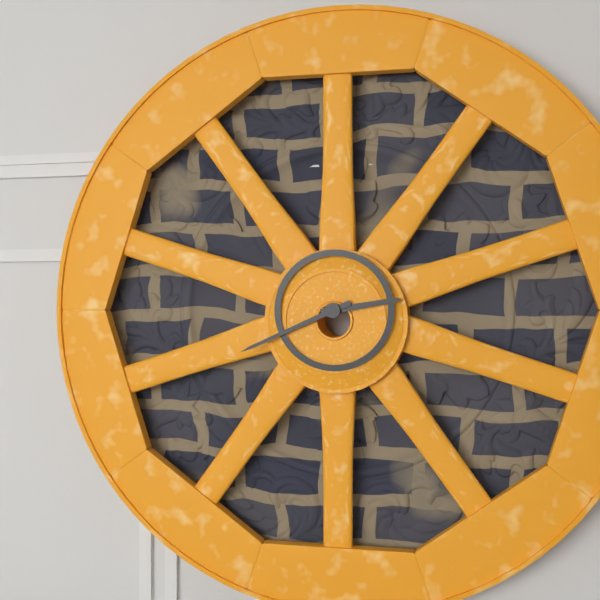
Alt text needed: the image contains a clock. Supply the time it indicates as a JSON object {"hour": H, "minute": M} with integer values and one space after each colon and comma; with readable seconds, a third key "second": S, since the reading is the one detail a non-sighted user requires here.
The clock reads {"hour": 2, "minute": 41}
